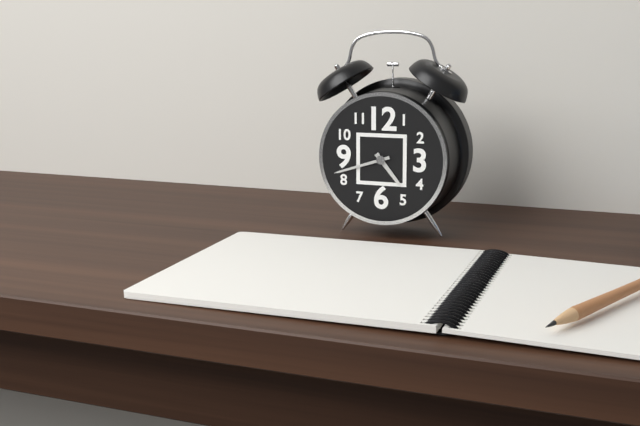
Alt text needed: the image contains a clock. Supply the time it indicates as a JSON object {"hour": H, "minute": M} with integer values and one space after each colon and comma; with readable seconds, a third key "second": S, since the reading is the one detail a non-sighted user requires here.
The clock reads {"hour": 4, "minute": 42}
